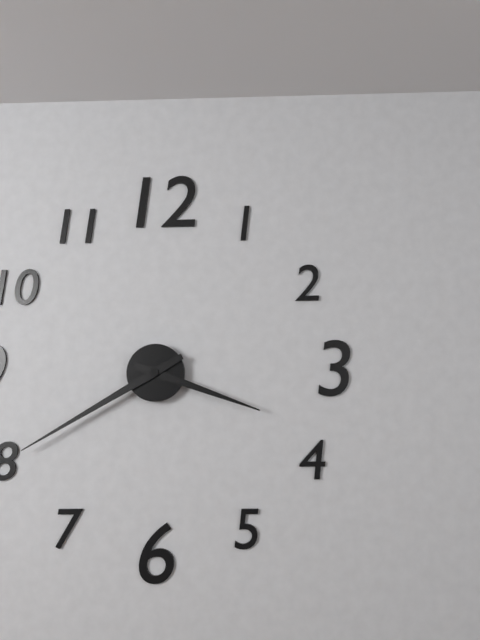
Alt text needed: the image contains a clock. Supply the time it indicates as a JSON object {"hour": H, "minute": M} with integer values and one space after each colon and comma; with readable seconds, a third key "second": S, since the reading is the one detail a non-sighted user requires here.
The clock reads {"hour": 3, "minute": 40}
